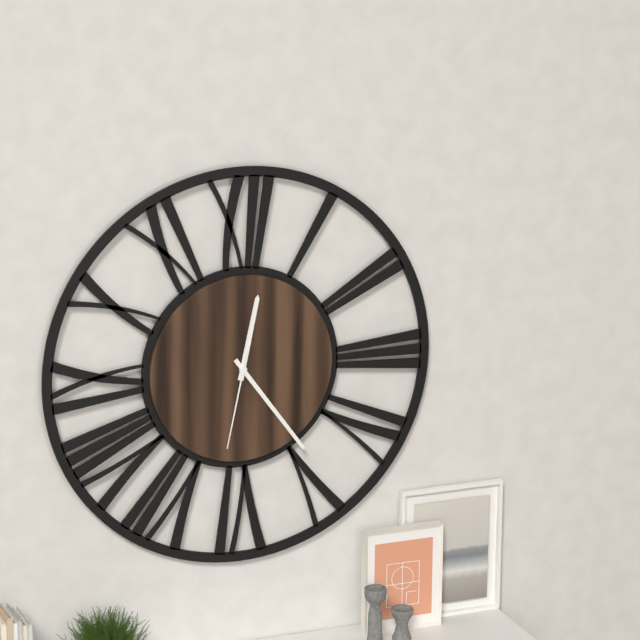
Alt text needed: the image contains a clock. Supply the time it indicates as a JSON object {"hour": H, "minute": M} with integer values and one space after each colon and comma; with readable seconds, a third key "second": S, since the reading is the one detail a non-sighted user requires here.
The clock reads {"hour": 12, "minute": 24, "second": 32}
